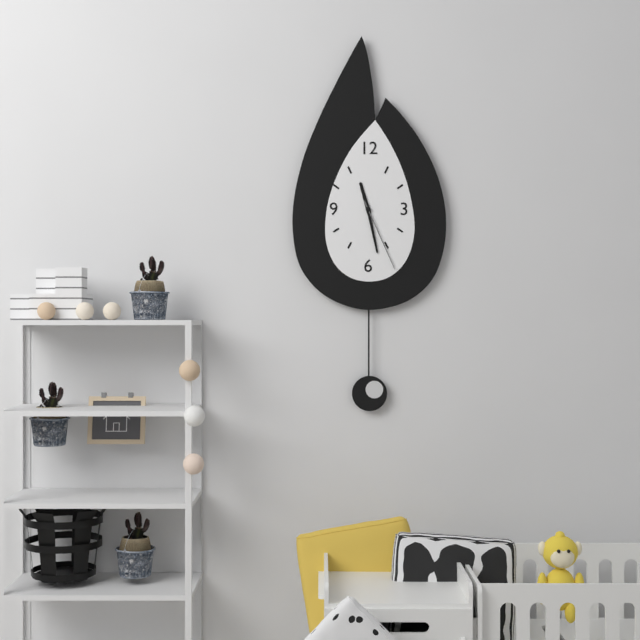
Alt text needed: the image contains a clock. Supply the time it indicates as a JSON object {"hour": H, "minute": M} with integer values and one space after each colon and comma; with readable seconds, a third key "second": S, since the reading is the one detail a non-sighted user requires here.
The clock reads {"hour": 11, "minute": 28, "second": 26}
